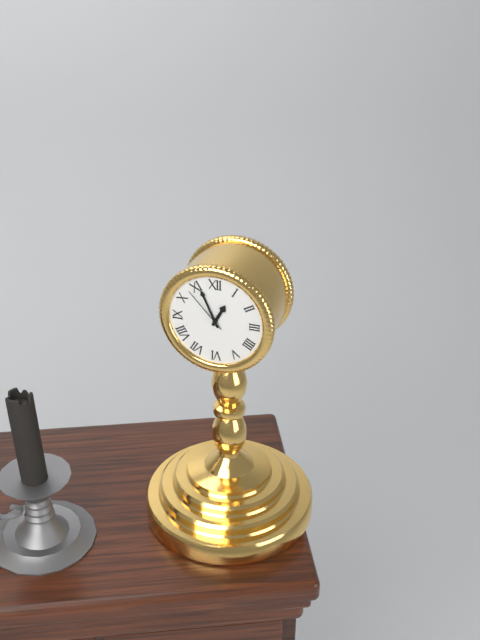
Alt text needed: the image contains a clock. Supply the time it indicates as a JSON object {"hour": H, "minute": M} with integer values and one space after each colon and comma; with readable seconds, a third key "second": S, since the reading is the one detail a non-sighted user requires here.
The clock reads {"hour": 12, "minute": 56, "second": 53}
